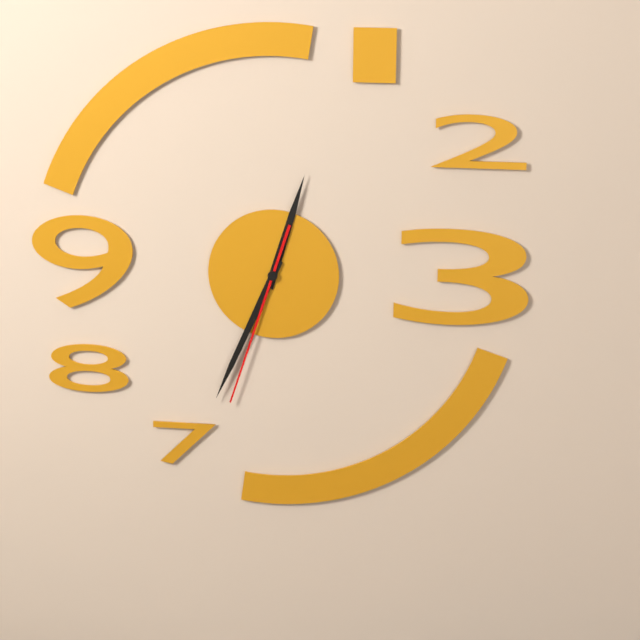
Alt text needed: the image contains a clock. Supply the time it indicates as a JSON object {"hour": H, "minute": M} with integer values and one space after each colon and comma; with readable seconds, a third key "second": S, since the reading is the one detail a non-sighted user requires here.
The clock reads {"hour": 12, "minute": 34, "second": 33}
